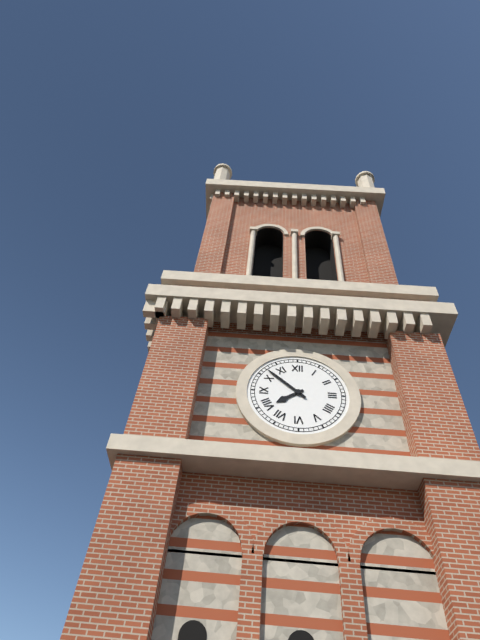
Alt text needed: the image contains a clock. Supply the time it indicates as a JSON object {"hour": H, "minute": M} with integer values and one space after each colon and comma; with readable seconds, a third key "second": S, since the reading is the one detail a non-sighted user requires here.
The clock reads {"hour": 7, "minute": 52}
